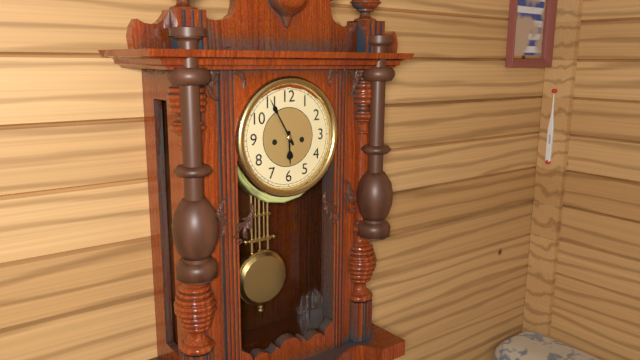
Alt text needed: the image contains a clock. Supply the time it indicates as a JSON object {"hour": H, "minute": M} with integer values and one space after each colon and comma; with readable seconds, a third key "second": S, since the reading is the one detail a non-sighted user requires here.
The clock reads {"hour": 5, "minute": 55}
